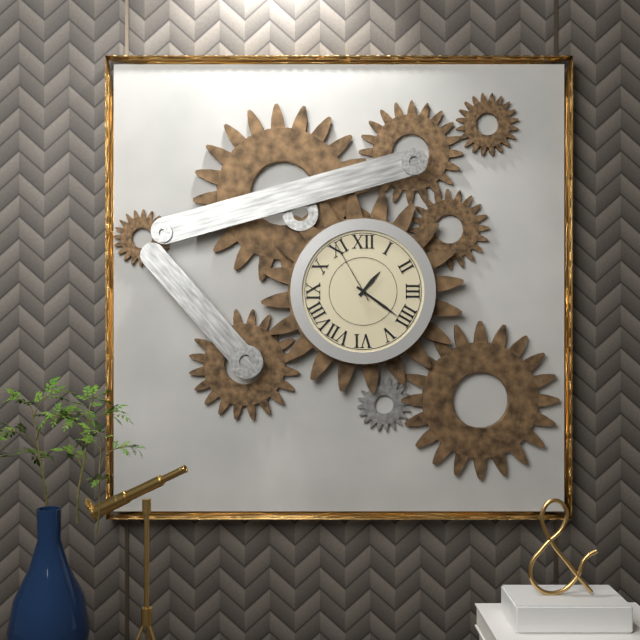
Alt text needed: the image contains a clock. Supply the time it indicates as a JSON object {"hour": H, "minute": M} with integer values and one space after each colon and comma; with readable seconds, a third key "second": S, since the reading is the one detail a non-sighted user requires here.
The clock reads {"hour": 1, "minute": 21, "second": 55}
